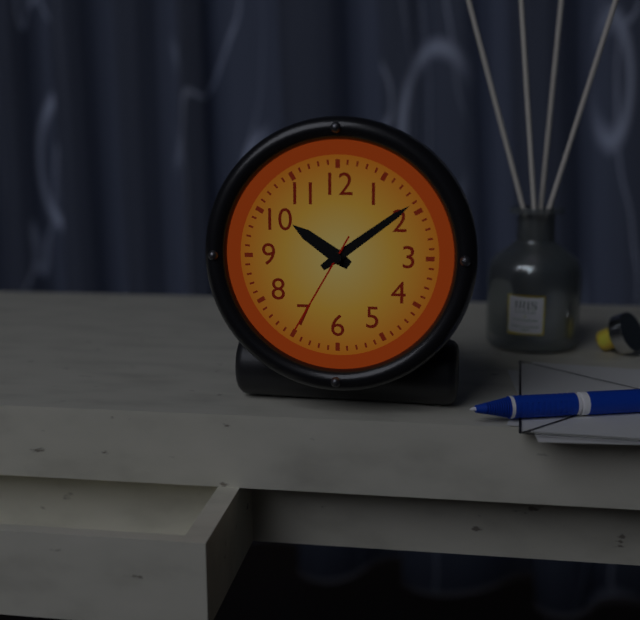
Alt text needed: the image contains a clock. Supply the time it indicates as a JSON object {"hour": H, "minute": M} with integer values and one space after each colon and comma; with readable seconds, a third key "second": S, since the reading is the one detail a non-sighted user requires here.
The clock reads {"hour": 10, "minute": 9, "second": 35}
